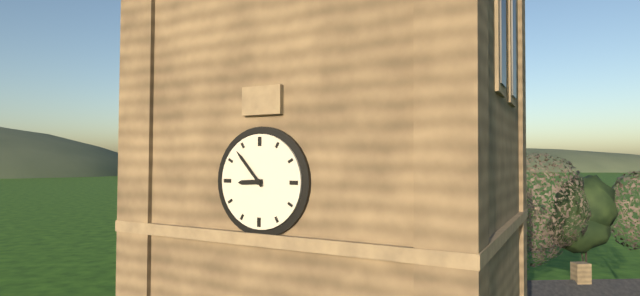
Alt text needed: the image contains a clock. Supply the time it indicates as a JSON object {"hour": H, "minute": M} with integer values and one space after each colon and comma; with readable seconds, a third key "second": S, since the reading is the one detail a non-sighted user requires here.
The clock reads {"hour": 8, "minute": 53}
